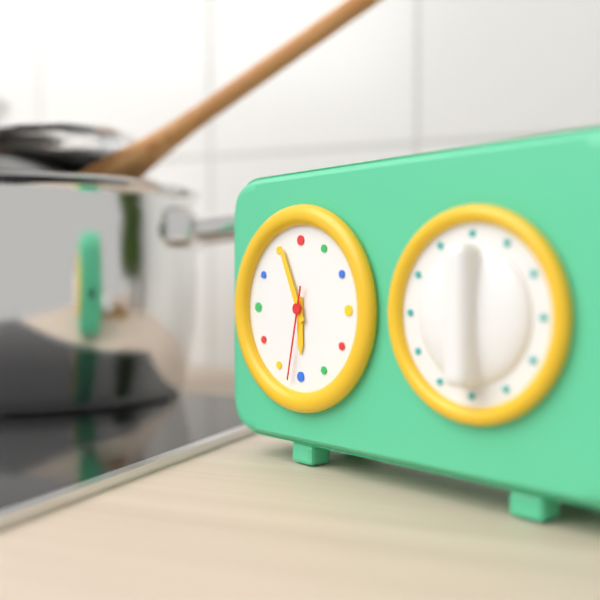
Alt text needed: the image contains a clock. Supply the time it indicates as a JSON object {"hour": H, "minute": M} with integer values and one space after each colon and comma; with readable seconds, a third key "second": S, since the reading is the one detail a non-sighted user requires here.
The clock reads {"hour": 5, "minute": 56, "second": 32}
